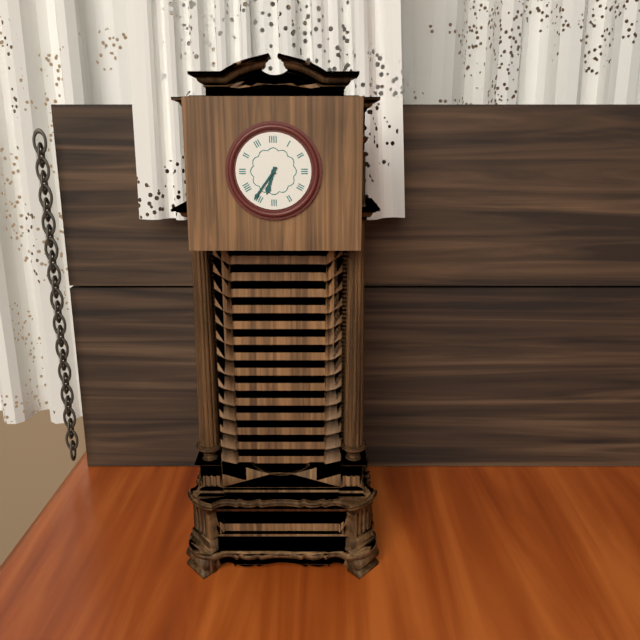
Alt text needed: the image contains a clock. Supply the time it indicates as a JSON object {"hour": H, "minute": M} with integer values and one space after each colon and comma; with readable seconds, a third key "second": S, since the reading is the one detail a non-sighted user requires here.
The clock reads {"hour": 6, "minute": 36}
